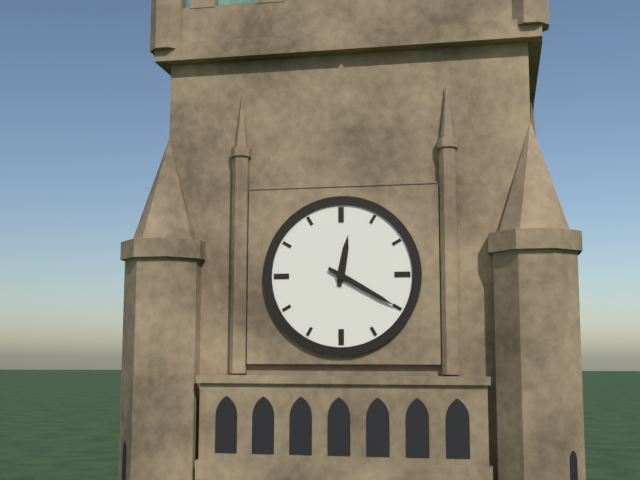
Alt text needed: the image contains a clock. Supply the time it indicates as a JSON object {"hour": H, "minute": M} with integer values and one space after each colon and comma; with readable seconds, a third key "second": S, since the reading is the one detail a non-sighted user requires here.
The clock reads {"hour": 12, "minute": 20}
